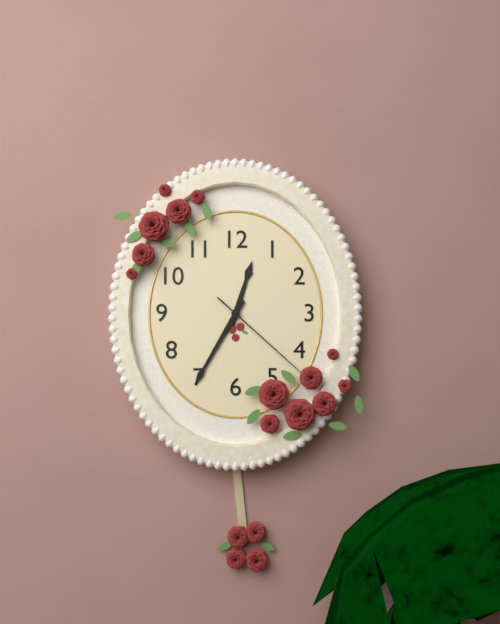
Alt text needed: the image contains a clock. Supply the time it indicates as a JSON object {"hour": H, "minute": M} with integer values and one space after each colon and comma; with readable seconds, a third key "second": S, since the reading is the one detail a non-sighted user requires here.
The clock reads {"hour": 12, "minute": 35, "second": 22}
